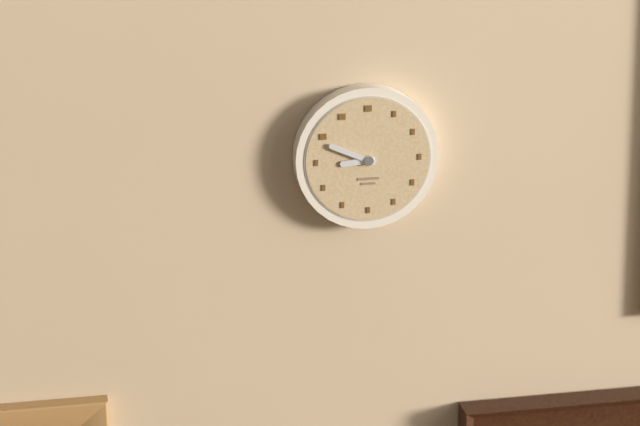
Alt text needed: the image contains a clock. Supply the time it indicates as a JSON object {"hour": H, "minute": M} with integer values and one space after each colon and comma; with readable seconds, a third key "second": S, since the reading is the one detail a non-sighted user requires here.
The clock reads {"hour": 8, "minute": 49}
